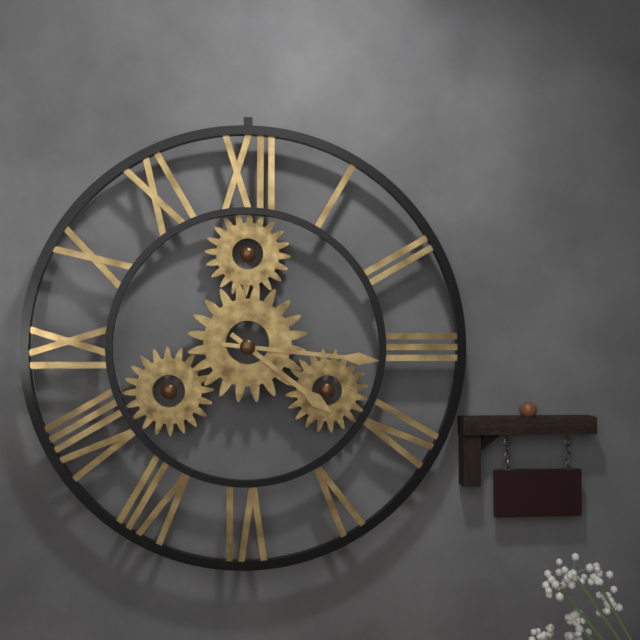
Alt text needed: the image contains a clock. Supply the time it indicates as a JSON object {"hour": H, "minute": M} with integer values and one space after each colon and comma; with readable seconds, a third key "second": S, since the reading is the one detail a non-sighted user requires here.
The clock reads {"hour": 4, "minute": 16}
